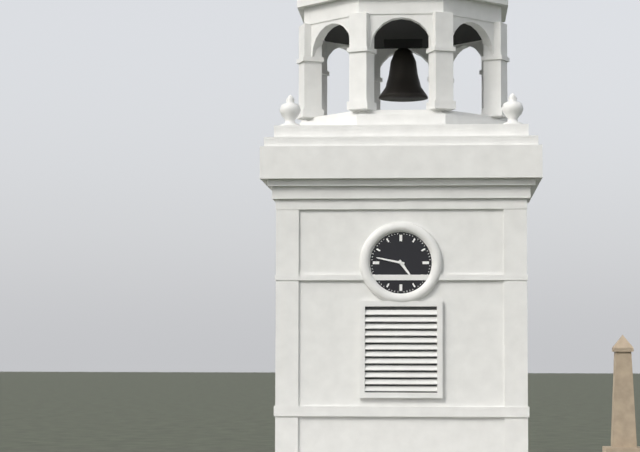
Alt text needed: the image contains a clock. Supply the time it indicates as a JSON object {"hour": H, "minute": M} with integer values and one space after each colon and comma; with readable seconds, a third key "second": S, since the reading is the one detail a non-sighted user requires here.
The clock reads {"hour": 4, "minute": 47}
